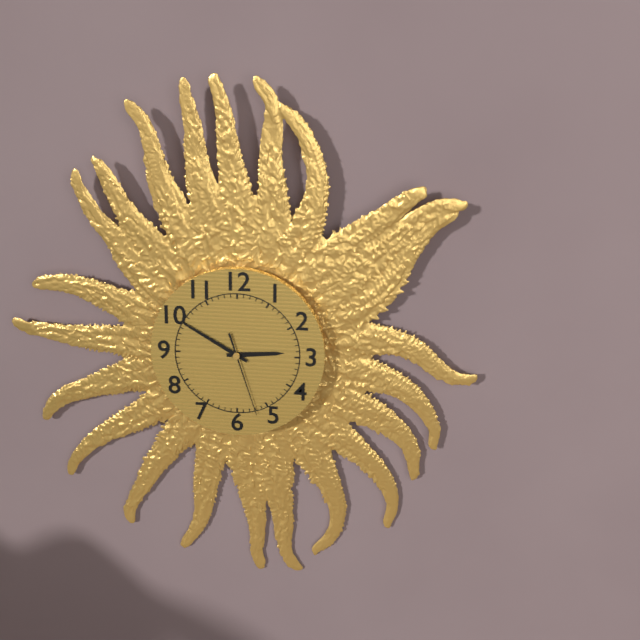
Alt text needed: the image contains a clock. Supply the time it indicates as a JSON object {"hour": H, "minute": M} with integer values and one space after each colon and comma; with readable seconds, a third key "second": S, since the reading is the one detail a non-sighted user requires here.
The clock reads {"hour": 2, "minute": 50, "second": 27}
